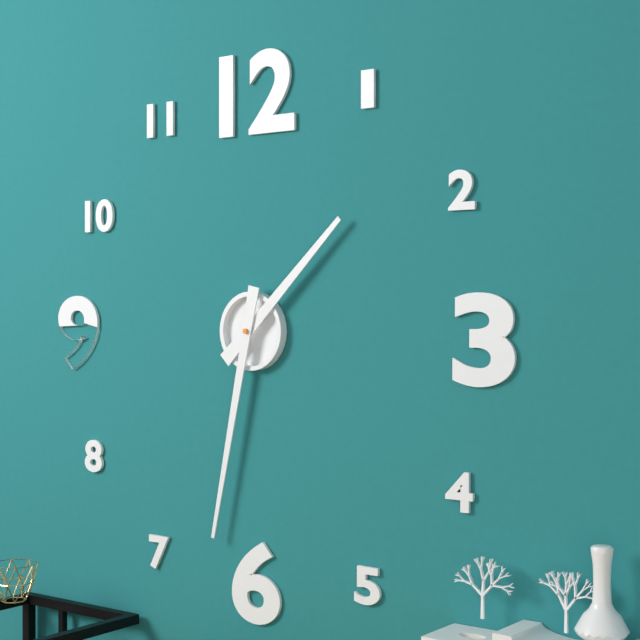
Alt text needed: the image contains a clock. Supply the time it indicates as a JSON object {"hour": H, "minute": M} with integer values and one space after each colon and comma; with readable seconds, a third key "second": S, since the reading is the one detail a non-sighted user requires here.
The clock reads {"hour": 1, "minute": 32}
